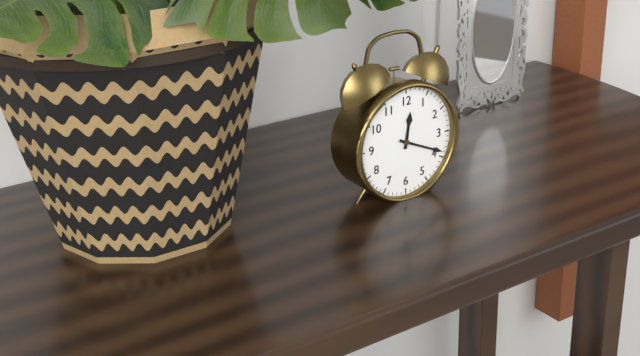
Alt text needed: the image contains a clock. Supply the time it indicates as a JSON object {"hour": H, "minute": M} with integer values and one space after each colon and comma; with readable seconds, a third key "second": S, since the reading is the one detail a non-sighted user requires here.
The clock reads {"hour": 12, "minute": 19}
